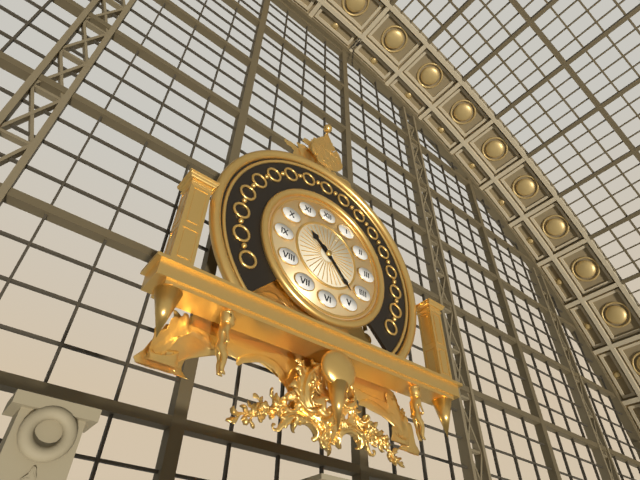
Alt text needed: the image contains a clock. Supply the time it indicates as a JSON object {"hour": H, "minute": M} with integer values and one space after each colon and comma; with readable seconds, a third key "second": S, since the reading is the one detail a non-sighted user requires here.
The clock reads {"hour": 10, "minute": 23}
